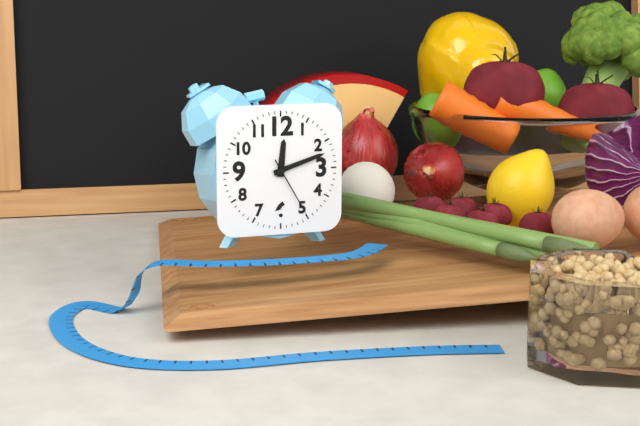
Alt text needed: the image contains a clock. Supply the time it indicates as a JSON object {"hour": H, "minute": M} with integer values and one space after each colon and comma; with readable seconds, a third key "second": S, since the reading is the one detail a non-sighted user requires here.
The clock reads {"hour": 12, "minute": 12, "second": 25}
